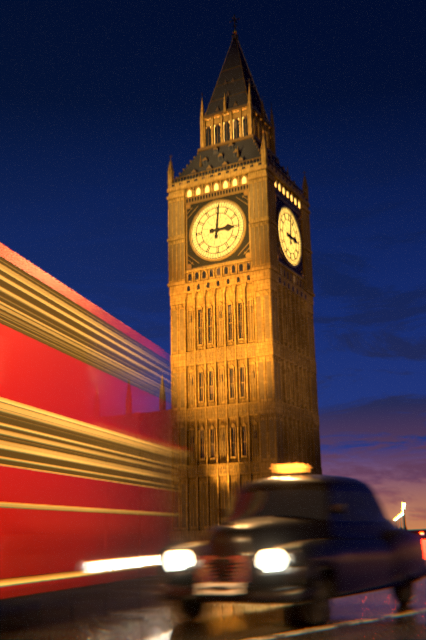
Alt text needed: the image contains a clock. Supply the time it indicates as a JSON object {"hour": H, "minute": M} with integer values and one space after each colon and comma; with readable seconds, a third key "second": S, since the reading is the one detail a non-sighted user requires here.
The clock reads {"hour": 3, "minute": 1}
